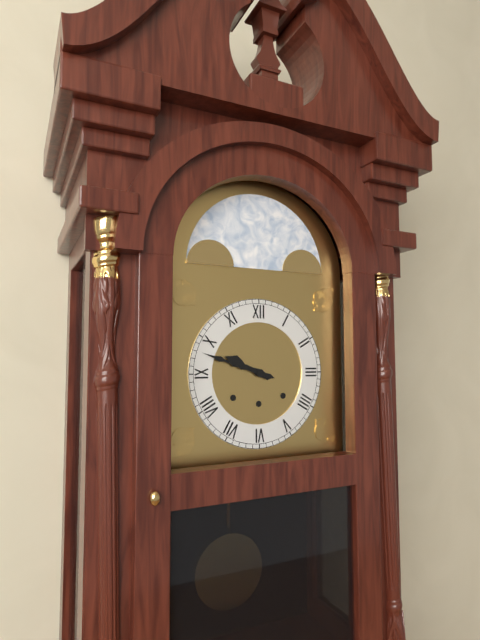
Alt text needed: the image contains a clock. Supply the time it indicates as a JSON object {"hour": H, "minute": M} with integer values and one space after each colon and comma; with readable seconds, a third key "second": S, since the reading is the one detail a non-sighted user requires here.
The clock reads {"hour": 9, "minute": 48}
